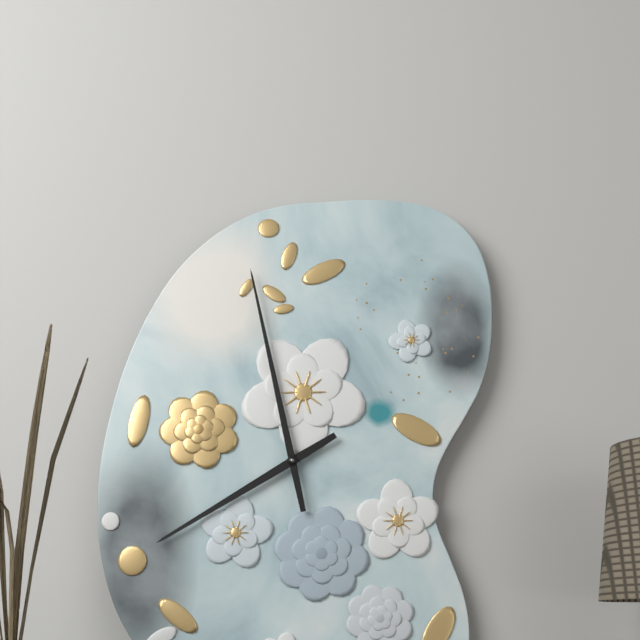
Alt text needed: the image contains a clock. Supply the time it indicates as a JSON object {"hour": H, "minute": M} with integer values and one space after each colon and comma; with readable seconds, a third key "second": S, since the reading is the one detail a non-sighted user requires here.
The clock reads {"hour": 7, "minute": 58}
